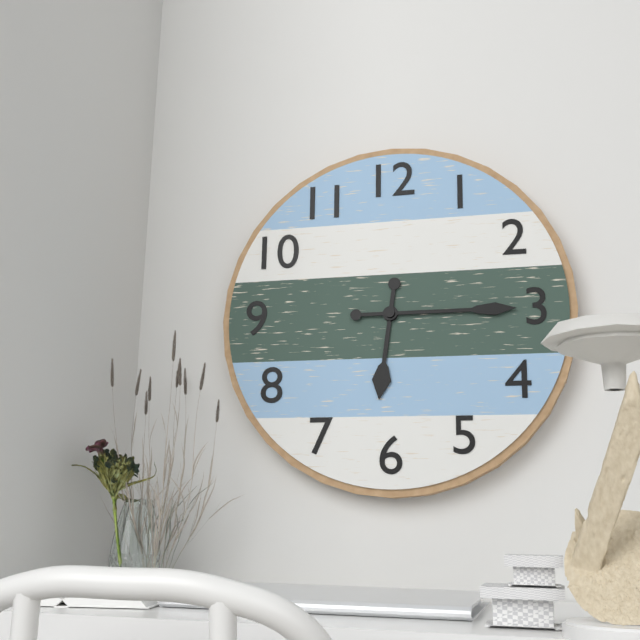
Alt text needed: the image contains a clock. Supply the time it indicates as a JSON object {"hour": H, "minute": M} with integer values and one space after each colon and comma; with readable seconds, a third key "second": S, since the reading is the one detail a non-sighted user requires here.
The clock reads {"hour": 6, "minute": 15}
